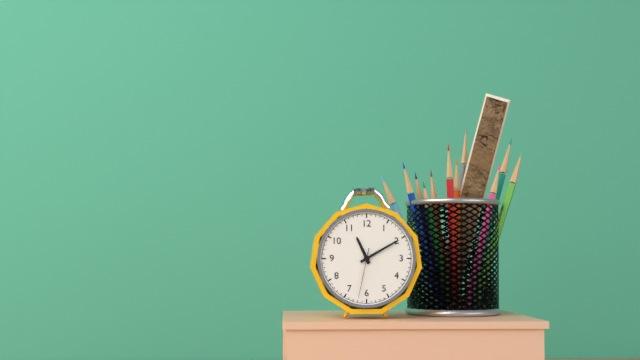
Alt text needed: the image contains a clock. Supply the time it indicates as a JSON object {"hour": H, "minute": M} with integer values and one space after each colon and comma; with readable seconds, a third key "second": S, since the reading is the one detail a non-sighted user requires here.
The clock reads {"hour": 11, "minute": 10, "second": 32}
